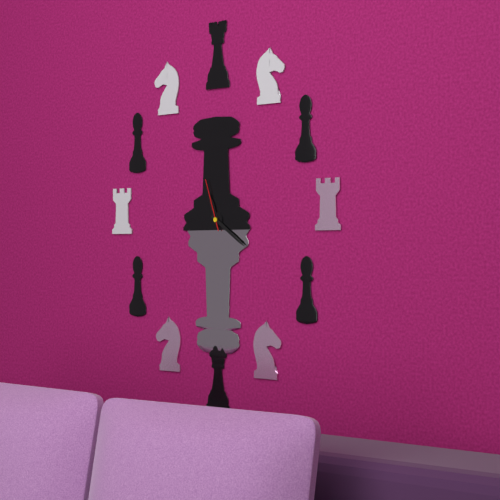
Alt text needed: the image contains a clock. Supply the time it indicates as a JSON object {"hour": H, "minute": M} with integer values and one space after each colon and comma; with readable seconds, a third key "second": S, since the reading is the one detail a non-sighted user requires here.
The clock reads {"hour": 11, "minute": 21, "second": 57}
